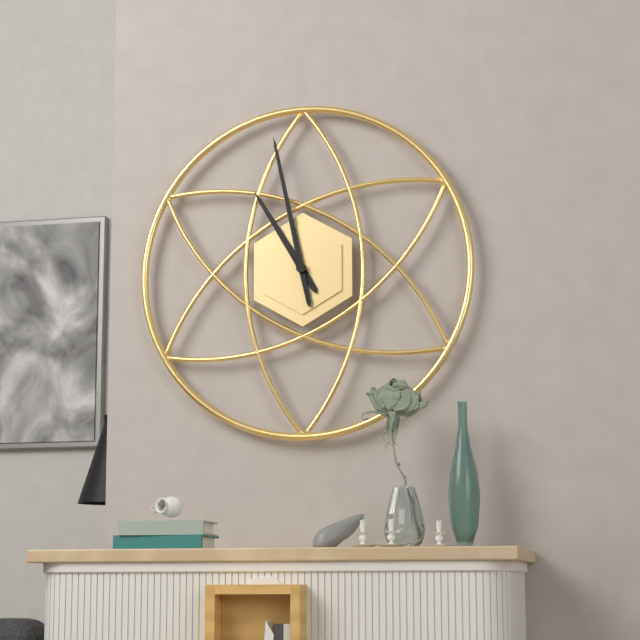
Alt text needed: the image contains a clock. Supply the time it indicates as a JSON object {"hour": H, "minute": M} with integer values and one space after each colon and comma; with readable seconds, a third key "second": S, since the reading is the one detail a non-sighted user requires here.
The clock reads {"hour": 10, "minute": 58}
